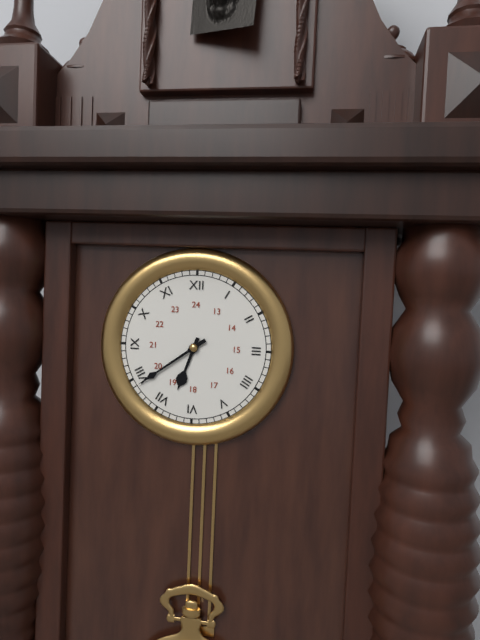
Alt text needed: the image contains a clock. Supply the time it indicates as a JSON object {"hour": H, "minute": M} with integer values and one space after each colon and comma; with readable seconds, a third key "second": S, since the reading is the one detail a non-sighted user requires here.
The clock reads {"hour": 6, "minute": 39}
